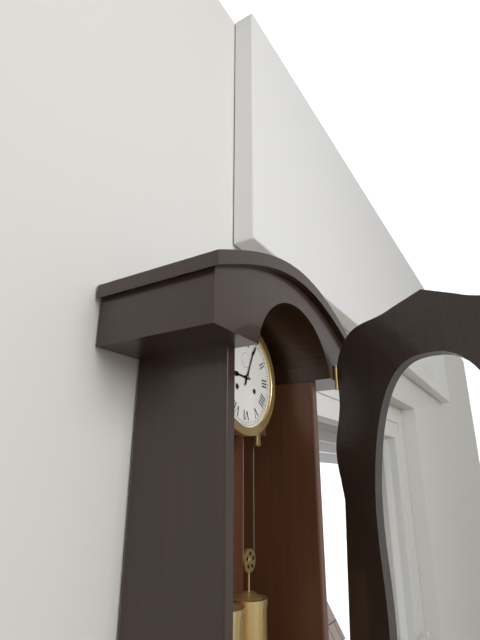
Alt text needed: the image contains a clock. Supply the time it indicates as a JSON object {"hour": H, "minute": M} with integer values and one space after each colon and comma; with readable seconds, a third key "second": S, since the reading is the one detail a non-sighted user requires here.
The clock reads {"hour": 9, "minute": 4}
